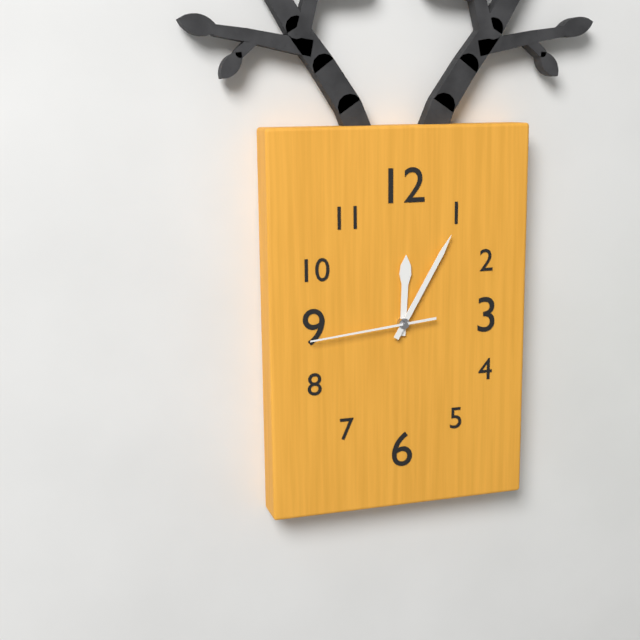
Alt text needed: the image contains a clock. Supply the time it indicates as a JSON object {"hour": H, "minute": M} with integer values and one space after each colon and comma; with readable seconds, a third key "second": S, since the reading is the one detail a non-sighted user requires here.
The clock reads {"hour": 12, "minute": 5, "second": 44}
